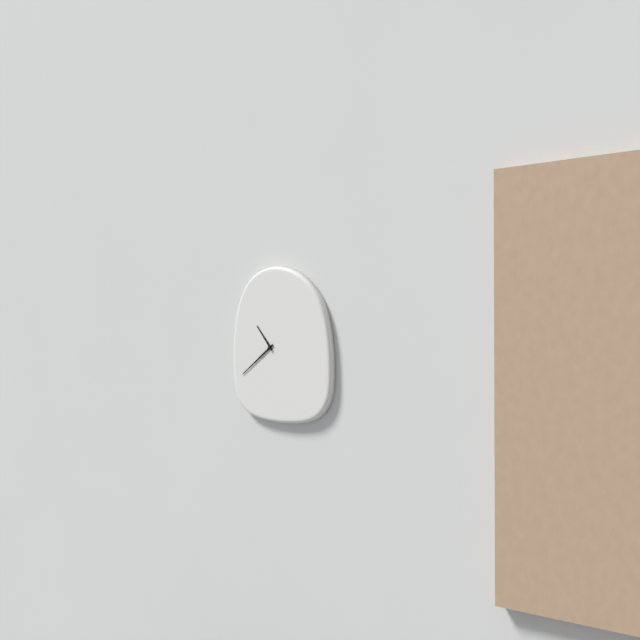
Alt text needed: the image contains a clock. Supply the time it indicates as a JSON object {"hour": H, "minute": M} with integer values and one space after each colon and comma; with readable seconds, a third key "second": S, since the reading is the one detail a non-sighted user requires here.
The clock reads {"hour": 10, "minute": 39}
